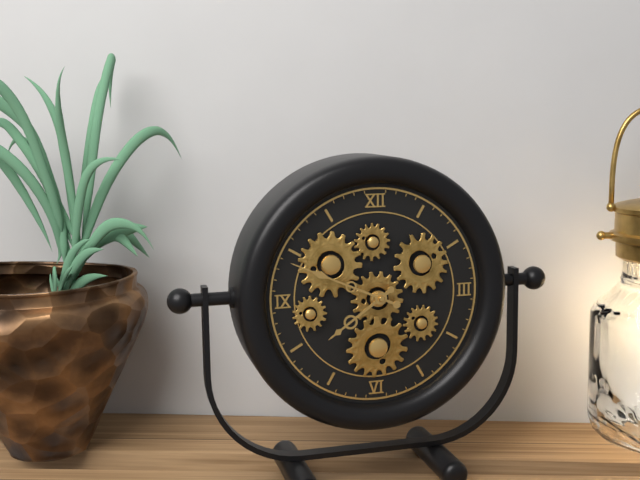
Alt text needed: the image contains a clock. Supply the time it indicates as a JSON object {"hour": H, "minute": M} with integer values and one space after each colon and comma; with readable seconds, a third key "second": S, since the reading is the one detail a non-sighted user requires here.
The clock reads {"hour": 7, "minute": 49}
